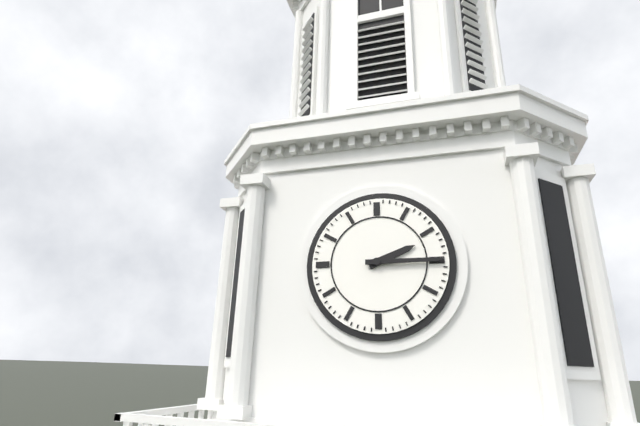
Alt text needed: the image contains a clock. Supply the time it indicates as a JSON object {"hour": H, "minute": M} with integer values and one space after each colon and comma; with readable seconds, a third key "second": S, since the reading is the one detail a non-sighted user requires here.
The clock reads {"hour": 2, "minute": 15}
